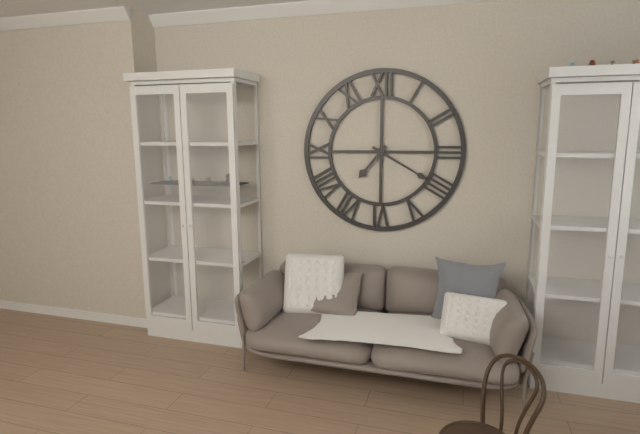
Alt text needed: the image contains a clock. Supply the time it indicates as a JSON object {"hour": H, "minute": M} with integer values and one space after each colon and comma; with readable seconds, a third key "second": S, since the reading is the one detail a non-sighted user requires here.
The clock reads {"hour": 7, "minute": 20}
